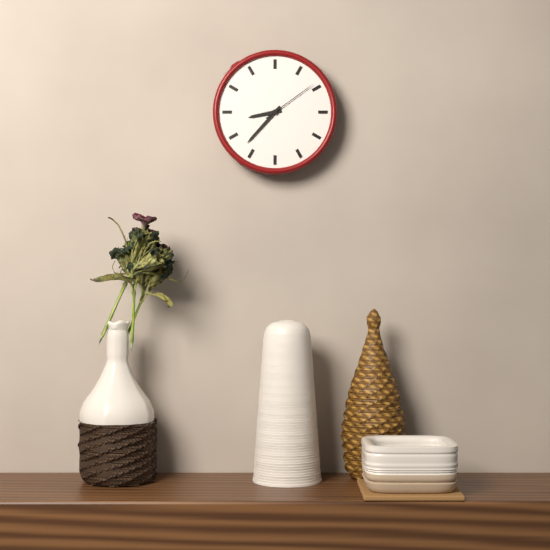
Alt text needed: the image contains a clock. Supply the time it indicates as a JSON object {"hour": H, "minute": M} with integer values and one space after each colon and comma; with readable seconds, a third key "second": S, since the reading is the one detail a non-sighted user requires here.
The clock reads {"hour": 8, "minute": 37, "second": 9}
